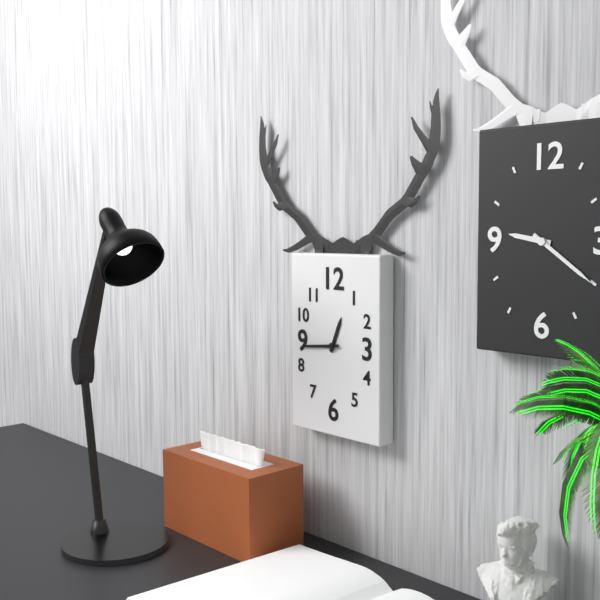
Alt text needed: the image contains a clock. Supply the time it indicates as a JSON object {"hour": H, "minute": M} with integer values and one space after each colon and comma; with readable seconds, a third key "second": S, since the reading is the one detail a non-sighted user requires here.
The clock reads {"hour": 12, "minute": 44}
